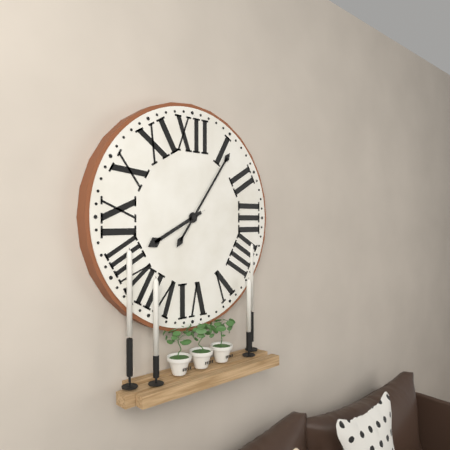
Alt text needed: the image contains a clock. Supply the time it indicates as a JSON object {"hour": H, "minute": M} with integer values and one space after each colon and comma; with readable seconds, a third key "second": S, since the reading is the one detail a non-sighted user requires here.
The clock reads {"hour": 8, "minute": 6}
